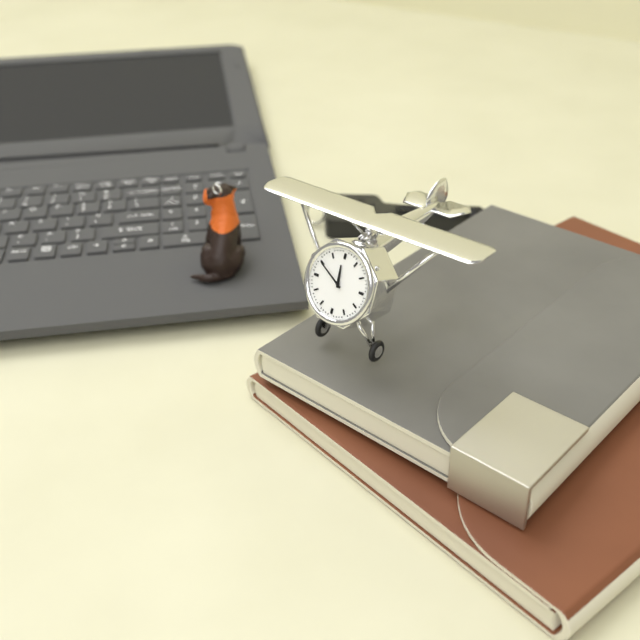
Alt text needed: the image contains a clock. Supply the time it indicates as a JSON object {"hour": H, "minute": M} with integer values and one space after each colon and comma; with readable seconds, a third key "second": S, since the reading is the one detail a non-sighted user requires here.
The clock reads {"hour": 11, "minute": 50}
